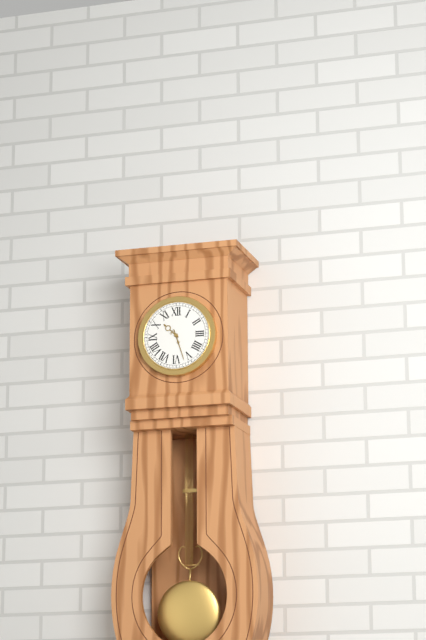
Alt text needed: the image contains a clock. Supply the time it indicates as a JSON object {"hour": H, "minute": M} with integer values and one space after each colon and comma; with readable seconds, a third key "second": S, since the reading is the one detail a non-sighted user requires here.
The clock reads {"hour": 10, "minute": 27}
